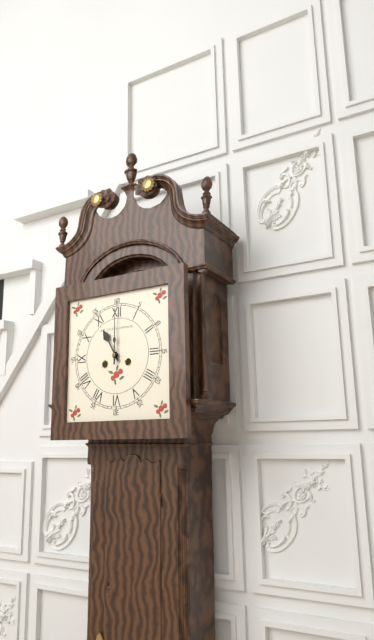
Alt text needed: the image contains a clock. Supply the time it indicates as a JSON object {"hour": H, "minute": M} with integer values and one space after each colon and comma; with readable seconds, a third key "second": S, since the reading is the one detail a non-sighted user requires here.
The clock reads {"hour": 11, "minute": 0}
